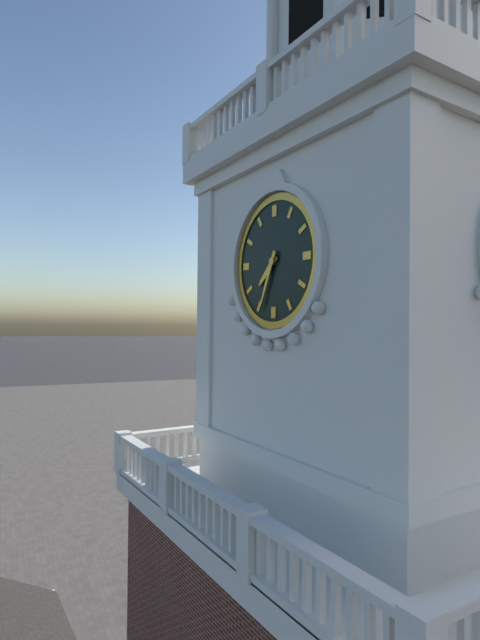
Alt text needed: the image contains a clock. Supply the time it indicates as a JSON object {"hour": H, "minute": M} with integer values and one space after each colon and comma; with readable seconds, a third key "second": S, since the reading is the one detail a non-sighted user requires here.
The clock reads {"hour": 7, "minute": 34}
